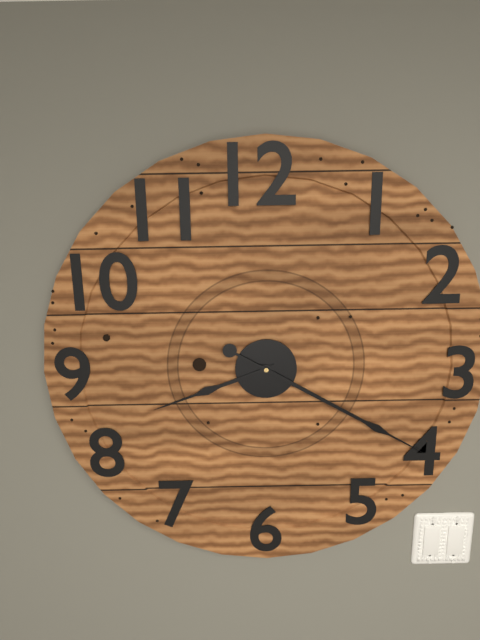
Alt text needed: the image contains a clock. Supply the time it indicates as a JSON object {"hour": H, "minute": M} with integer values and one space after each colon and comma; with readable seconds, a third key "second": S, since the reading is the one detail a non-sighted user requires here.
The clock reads {"hour": 8, "minute": 20}
